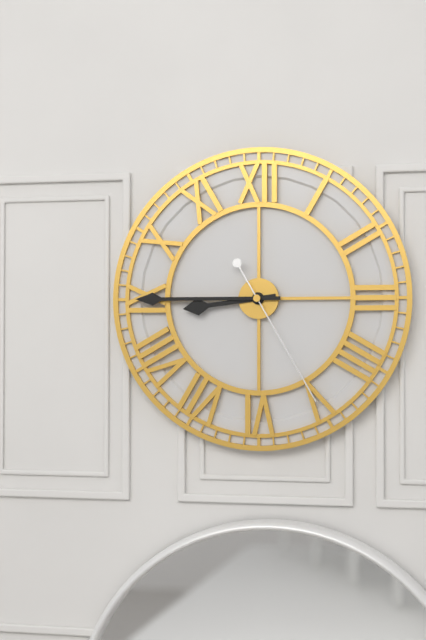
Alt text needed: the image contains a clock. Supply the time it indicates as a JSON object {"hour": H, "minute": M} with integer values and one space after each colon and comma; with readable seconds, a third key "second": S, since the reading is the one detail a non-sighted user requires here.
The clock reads {"hour": 8, "minute": 45, "second": 25}
